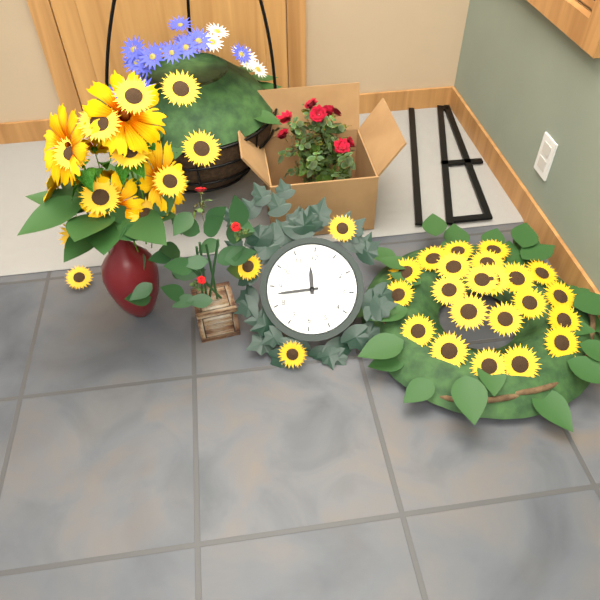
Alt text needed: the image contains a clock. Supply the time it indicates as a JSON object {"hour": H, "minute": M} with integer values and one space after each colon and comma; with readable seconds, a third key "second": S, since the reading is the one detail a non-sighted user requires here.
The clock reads {"hour": 11, "minute": 43}
